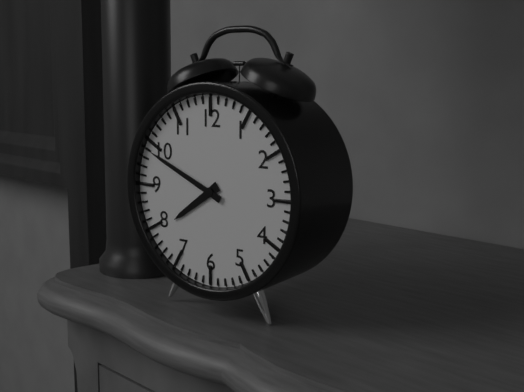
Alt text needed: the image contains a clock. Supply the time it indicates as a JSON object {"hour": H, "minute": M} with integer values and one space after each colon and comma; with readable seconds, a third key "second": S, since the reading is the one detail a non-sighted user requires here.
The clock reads {"hour": 7, "minute": 49}
